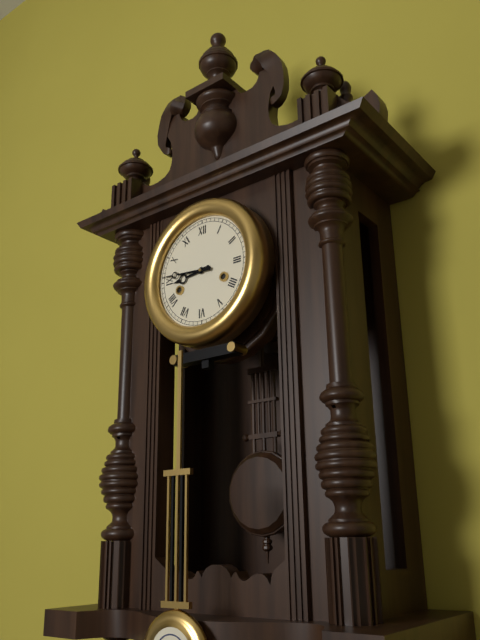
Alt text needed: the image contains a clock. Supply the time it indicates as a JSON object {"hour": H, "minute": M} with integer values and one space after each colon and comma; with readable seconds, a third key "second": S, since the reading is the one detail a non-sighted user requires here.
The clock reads {"hour": 8, "minute": 46}
